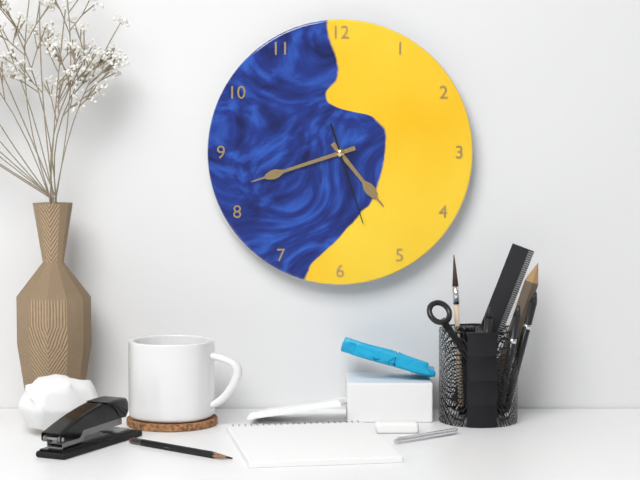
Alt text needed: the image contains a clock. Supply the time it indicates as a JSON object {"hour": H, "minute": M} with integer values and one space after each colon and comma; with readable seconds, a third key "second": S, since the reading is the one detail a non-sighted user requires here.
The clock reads {"hour": 4, "minute": 42, "second": 27}
